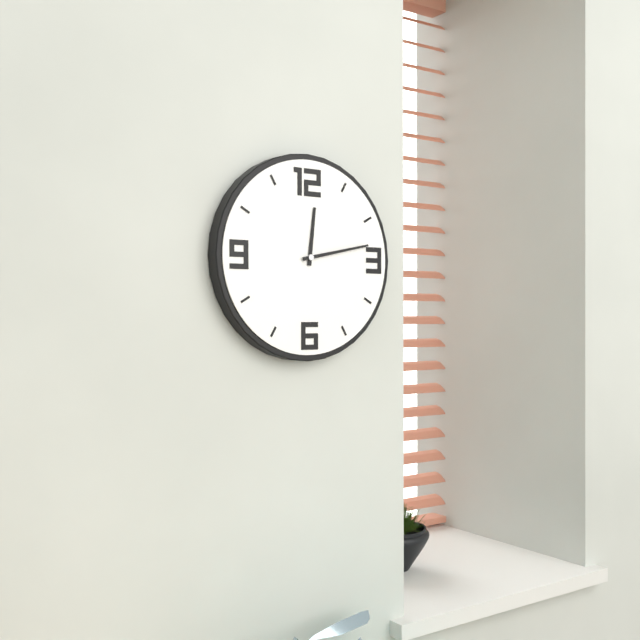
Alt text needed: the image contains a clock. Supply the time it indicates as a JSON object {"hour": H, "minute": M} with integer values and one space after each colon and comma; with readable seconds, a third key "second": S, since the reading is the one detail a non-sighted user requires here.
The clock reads {"hour": 12, "minute": 13}
